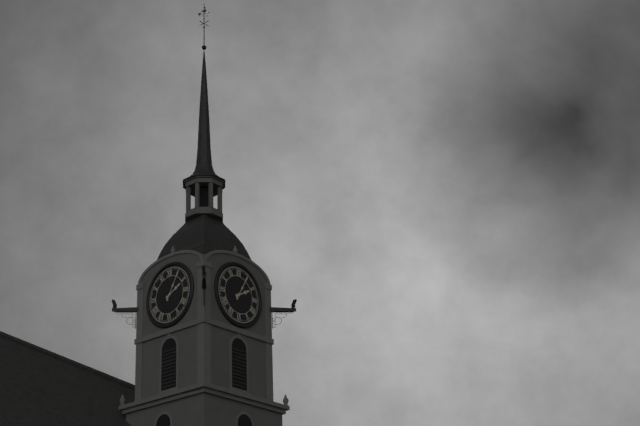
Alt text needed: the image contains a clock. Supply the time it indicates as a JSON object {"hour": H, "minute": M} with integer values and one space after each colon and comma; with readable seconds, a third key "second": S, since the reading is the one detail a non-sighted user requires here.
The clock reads {"hour": 2, "minute": 5}
